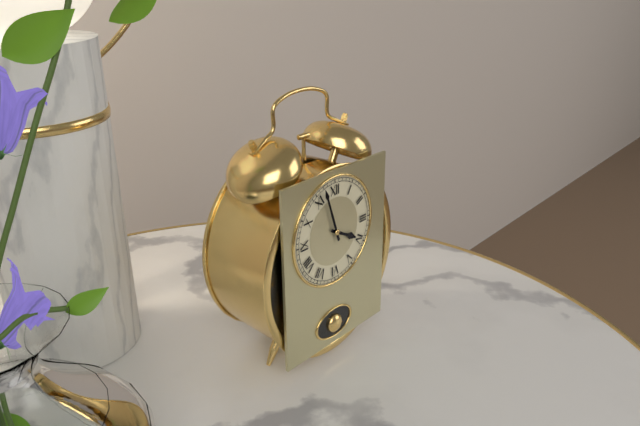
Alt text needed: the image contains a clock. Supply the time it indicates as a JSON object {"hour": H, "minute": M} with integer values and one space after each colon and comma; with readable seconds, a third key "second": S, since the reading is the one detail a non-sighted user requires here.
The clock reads {"hour": 3, "minute": 57}
